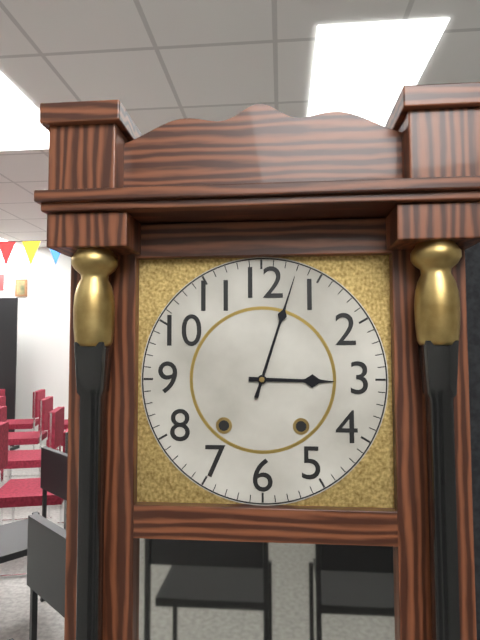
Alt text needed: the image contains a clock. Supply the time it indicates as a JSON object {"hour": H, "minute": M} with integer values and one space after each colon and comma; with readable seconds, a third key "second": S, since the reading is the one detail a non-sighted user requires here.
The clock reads {"hour": 3, "minute": 3}
